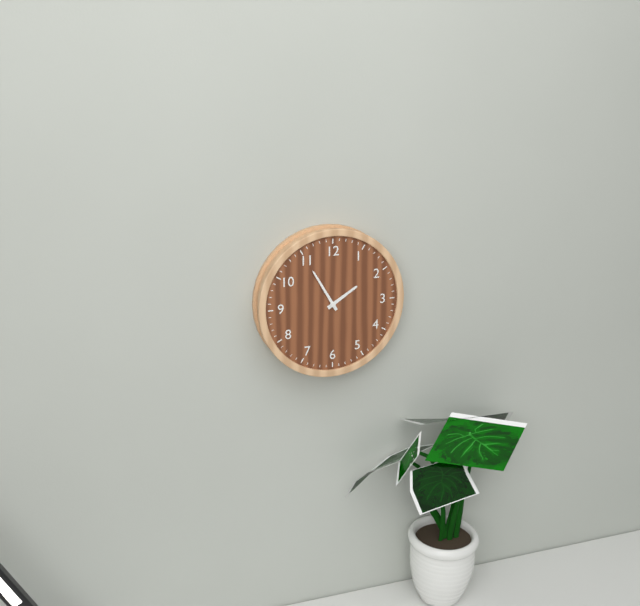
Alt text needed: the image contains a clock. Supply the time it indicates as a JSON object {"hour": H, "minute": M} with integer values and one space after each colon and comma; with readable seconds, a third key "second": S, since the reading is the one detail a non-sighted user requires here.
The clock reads {"hour": 1, "minute": 55}
